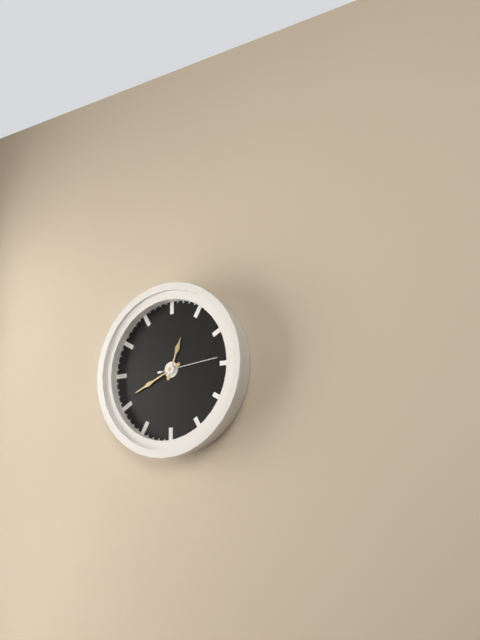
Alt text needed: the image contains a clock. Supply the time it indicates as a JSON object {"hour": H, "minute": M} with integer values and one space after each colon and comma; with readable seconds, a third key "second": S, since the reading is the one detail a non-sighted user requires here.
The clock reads {"hour": 12, "minute": 41, "second": 14}
